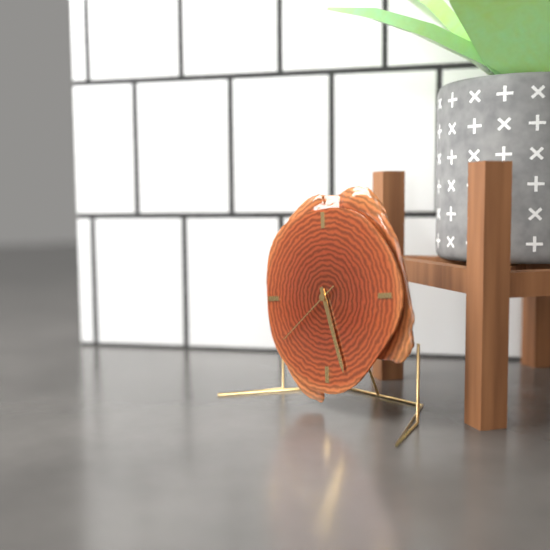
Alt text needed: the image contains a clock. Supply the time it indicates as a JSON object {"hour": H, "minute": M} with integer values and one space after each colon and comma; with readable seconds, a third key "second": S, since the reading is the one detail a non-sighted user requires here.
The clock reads {"hour": 5, "minute": 27, "second": 39}
